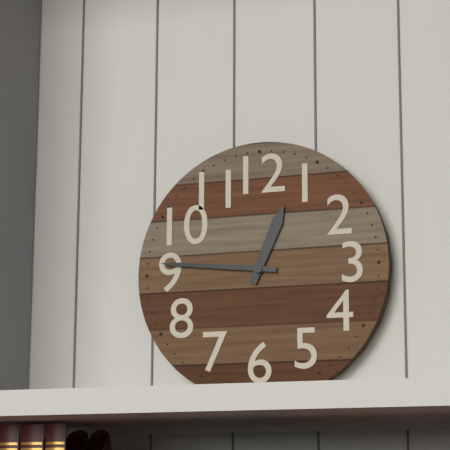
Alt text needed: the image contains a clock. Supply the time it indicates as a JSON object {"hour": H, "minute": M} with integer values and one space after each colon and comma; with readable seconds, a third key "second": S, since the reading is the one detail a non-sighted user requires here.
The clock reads {"hour": 12, "minute": 46}
